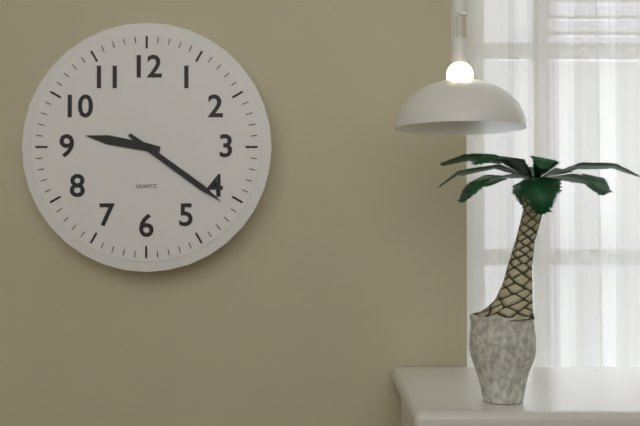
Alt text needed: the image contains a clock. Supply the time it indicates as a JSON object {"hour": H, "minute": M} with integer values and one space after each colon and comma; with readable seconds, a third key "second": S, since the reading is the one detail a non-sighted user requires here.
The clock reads {"hour": 9, "minute": 21}
